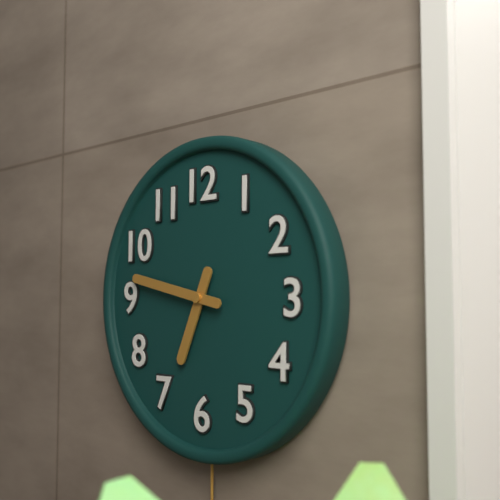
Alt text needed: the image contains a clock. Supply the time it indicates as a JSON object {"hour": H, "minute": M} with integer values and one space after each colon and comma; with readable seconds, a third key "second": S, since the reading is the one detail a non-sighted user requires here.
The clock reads {"hour": 6, "minute": 47}
